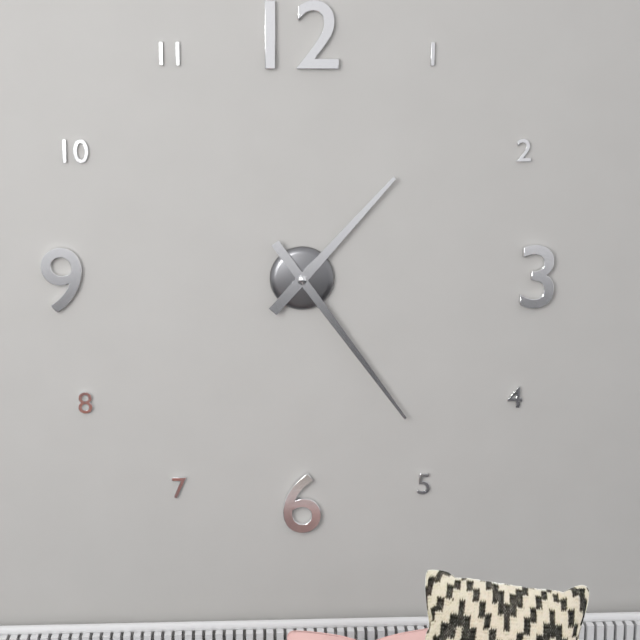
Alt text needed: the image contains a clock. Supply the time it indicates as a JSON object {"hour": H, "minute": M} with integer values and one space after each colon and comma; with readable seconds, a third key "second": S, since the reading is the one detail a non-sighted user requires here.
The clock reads {"hour": 1, "minute": 24}
